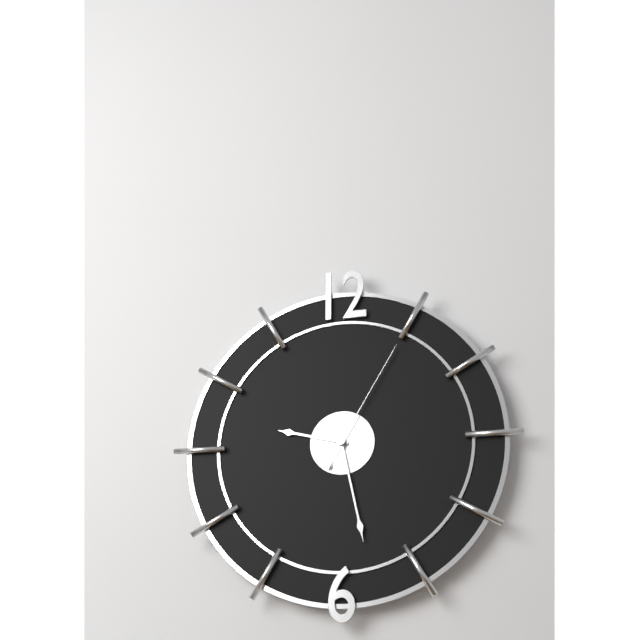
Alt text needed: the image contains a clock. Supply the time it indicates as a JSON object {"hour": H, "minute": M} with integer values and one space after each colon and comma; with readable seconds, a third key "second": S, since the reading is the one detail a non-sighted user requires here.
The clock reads {"hour": 9, "minute": 28, "second": 5}
